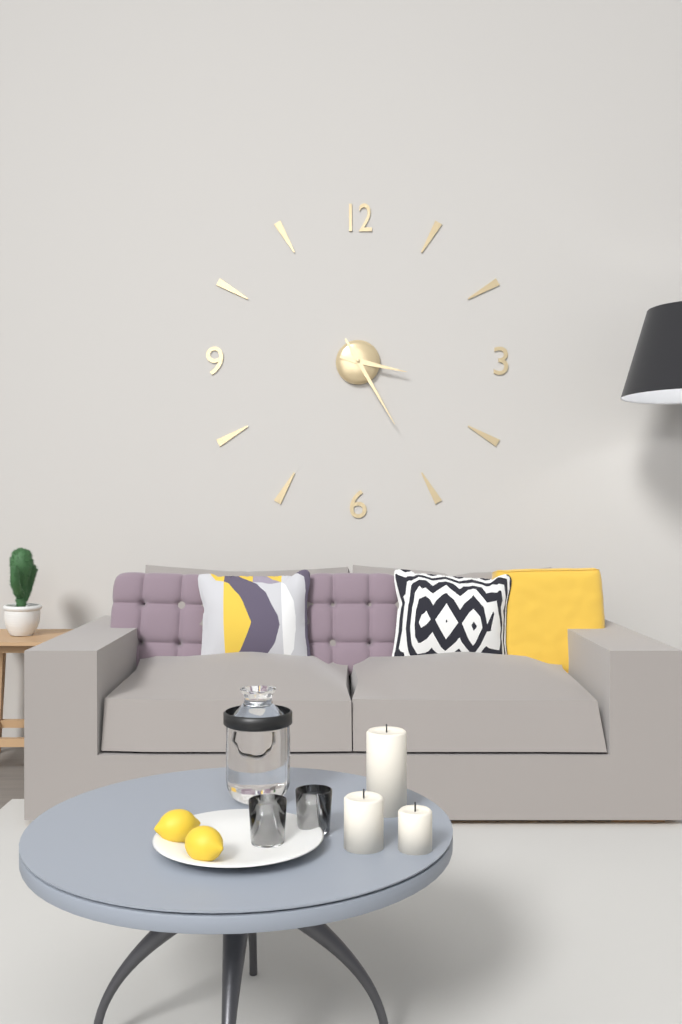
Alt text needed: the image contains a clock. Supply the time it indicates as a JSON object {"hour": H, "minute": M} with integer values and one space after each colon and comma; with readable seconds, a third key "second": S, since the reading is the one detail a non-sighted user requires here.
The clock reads {"hour": 3, "minute": 25}
